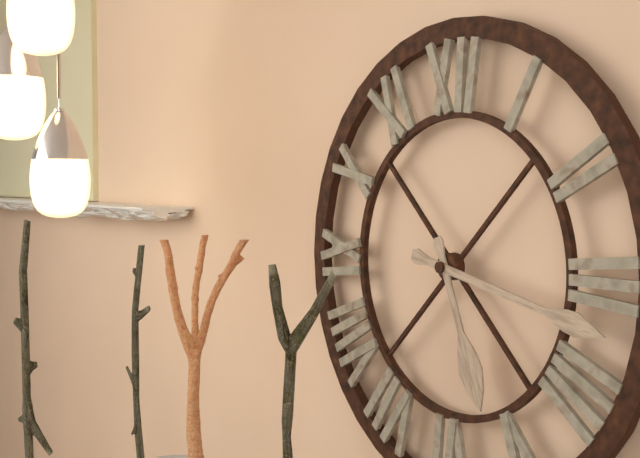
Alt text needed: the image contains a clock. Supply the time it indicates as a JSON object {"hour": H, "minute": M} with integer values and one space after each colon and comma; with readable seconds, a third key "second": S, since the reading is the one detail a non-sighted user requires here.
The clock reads {"hour": 5, "minute": 17}
